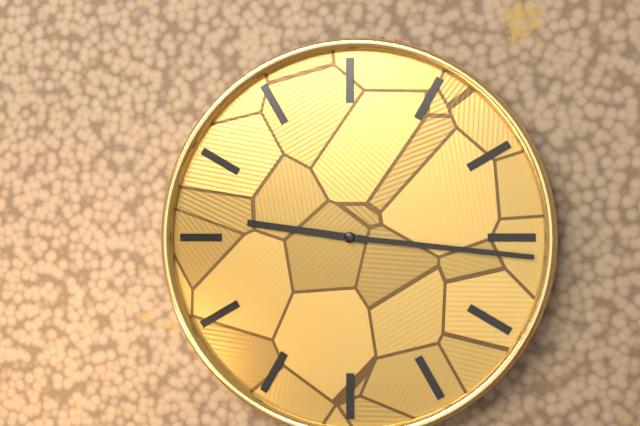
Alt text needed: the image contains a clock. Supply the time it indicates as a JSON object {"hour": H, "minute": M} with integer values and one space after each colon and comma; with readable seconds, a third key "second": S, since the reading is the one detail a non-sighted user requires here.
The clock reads {"hour": 9, "minute": 16}
